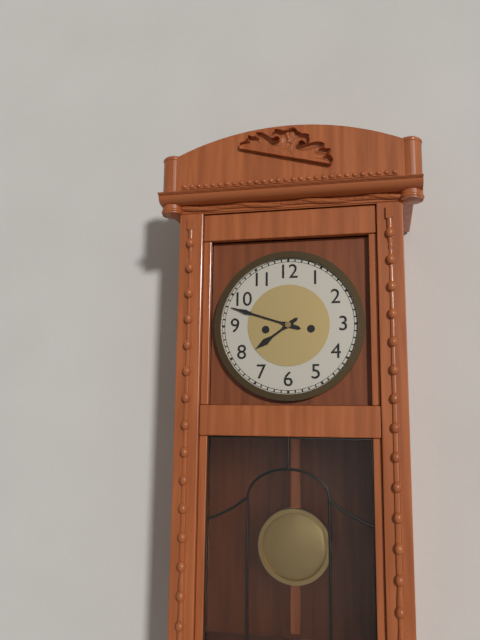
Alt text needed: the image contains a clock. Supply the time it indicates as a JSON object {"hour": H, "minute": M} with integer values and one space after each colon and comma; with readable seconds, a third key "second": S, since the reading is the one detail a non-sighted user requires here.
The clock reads {"hour": 7, "minute": 48}
